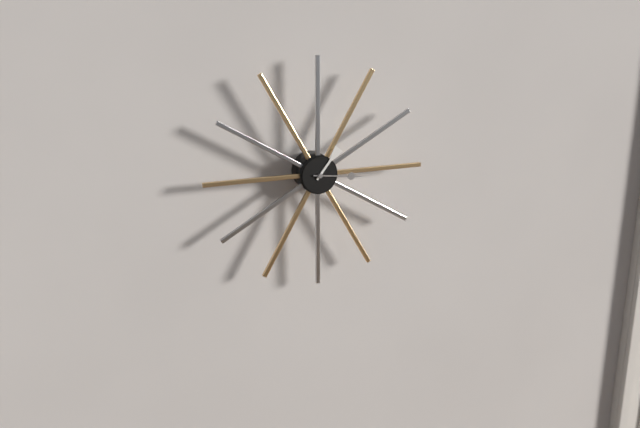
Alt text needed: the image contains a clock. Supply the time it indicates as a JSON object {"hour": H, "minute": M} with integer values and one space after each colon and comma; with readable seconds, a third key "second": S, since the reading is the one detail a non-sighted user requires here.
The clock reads {"hour": 1, "minute": 16}
